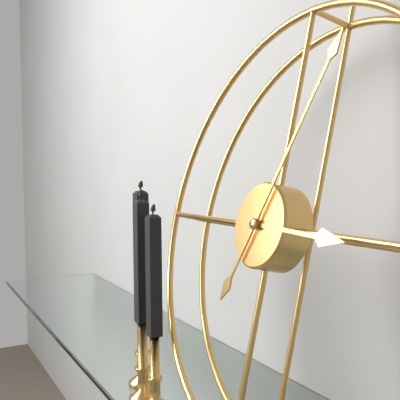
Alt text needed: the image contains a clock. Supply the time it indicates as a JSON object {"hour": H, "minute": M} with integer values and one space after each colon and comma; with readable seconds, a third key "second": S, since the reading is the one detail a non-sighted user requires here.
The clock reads {"hour": 3, "minute": 4}
